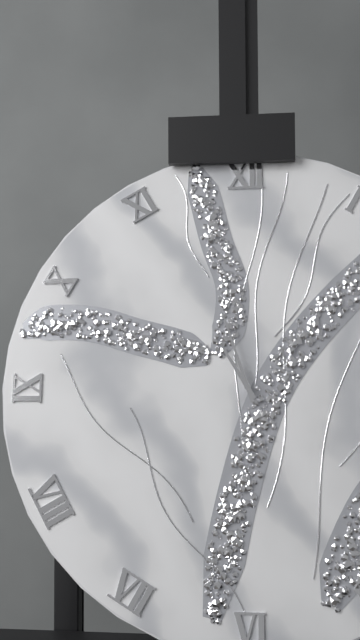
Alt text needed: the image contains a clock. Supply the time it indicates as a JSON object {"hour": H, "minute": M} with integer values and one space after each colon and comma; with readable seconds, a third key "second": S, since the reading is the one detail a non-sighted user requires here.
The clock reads {"hour": 10, "minute": 57}
